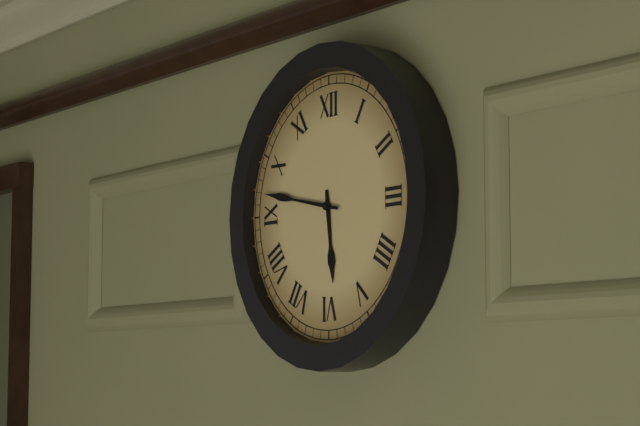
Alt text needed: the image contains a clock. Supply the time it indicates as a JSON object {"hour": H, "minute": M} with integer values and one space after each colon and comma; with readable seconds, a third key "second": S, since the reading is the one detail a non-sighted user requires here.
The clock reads {"hour": 5, "minute": 47}
